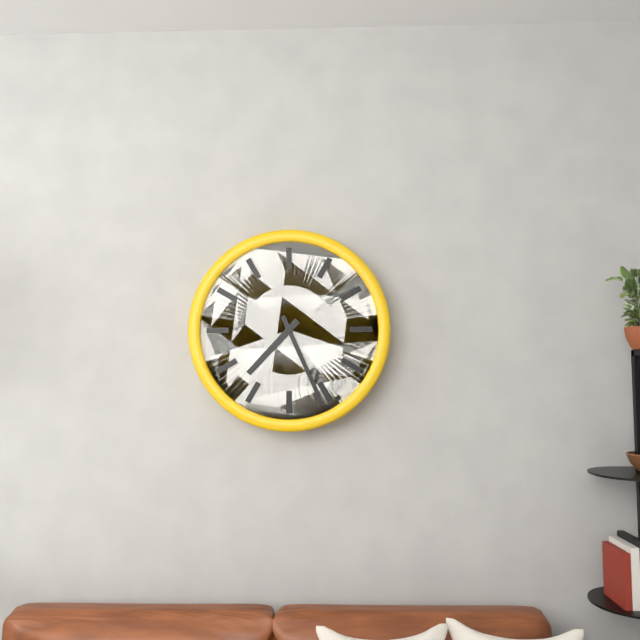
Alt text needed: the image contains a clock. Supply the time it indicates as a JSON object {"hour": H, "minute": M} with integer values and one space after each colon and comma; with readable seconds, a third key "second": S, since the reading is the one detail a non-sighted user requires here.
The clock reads {"hour": 7, "minute": 26}
